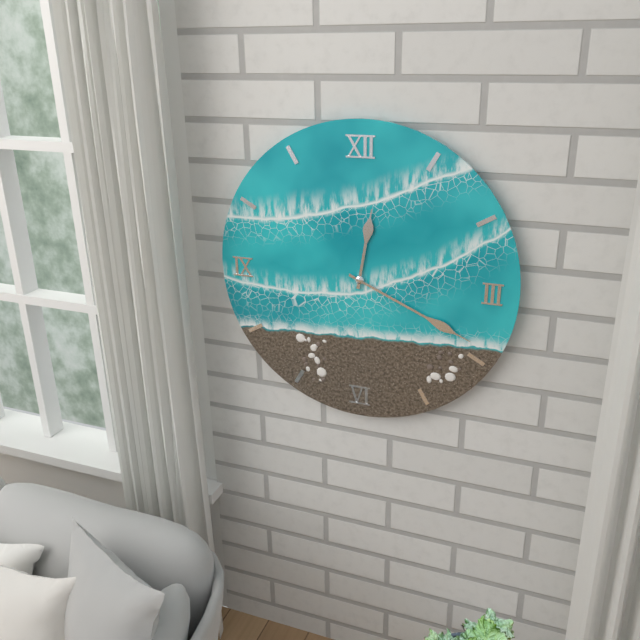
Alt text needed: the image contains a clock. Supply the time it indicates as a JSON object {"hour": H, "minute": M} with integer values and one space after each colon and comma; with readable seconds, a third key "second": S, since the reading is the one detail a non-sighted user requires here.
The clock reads {"hour": 12, "minute": 19}
